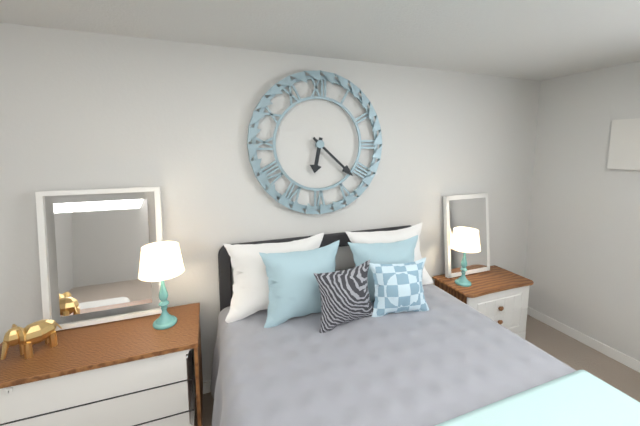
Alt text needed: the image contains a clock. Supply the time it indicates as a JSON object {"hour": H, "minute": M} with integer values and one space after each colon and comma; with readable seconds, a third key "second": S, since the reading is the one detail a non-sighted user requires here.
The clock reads {"hour": 6, "minute": 22}
